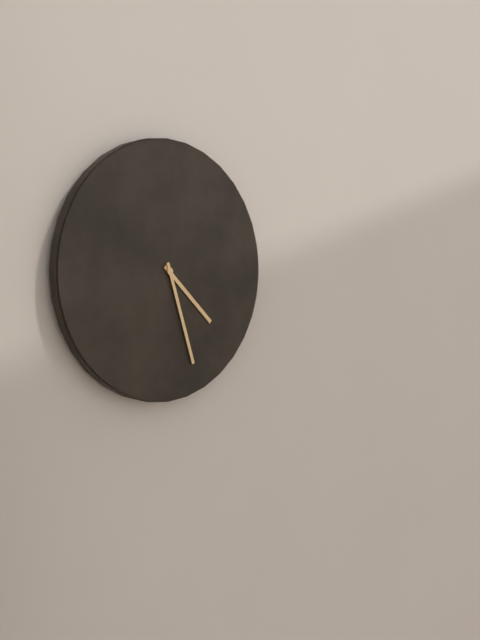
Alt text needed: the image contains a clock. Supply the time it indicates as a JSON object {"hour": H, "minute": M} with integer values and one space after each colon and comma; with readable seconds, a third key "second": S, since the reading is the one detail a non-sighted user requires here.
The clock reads {"hour": 4, "minute": 27}
